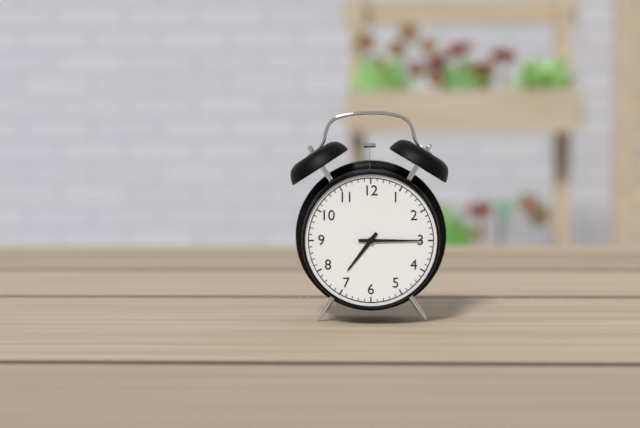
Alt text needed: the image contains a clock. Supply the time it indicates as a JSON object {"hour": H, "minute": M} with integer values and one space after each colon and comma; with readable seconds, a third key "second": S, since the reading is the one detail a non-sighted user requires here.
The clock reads {"hour": 7, "minute": 15}
